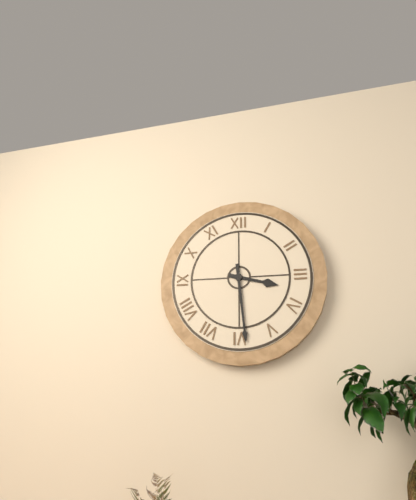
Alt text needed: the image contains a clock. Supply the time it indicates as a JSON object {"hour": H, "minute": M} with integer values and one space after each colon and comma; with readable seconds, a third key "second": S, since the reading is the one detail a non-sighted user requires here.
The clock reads {"hour": 3, "minute": 29}
